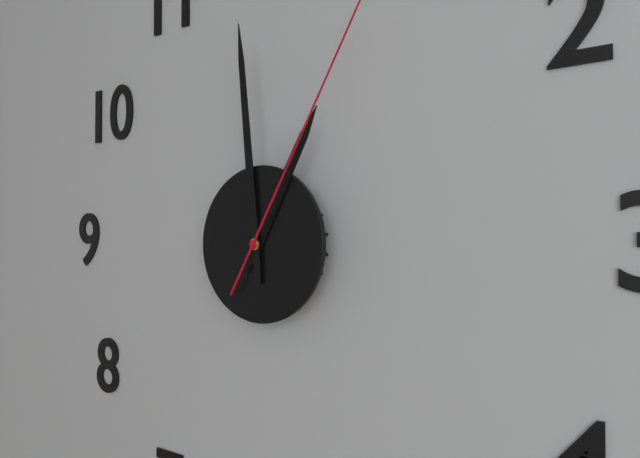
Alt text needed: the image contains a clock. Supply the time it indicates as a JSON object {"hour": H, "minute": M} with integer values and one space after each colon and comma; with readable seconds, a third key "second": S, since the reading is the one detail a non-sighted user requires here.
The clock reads {"hour": 12, "minute": 59}
